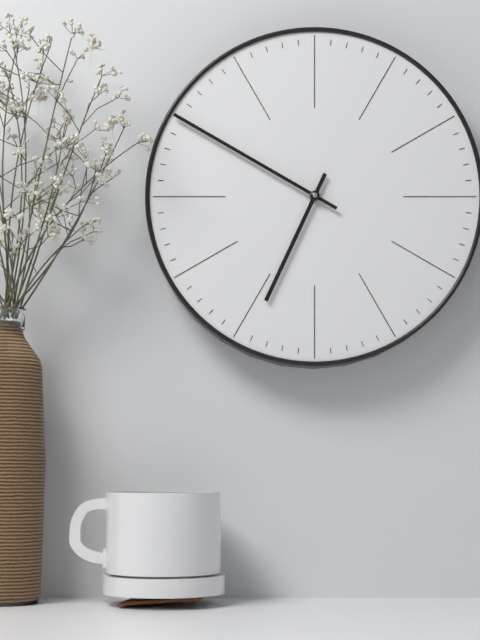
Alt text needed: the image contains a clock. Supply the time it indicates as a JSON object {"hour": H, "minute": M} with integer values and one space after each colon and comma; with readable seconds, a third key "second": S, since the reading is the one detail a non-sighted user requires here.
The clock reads {"hour": 6, "minute": 50}
